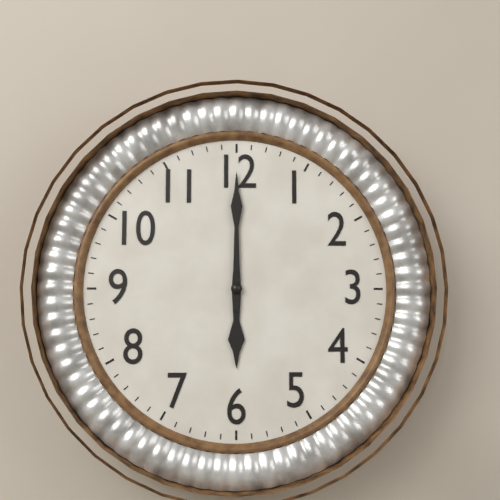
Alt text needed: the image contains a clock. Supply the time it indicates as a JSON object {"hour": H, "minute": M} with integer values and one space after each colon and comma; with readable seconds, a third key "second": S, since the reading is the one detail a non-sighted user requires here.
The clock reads {"hour": 6, "minute": 0}
